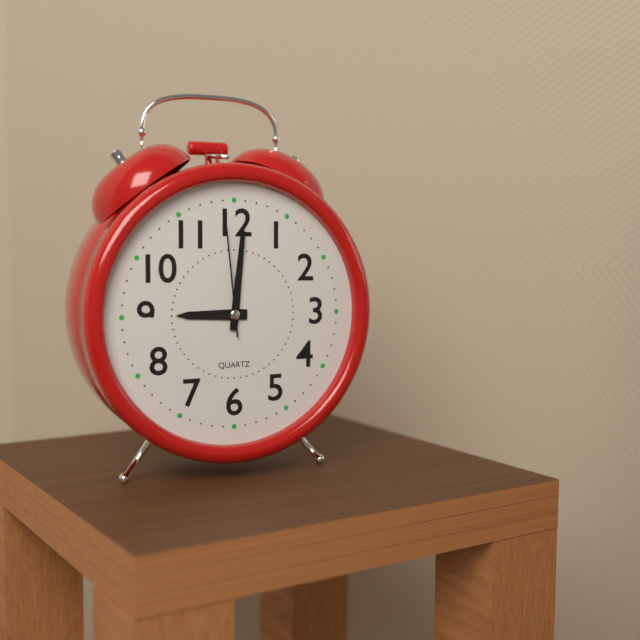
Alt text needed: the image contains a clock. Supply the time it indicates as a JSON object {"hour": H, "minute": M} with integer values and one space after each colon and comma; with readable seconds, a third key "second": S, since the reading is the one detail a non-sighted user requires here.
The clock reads {"hour": 9, "minute": 1, "second": 59}
